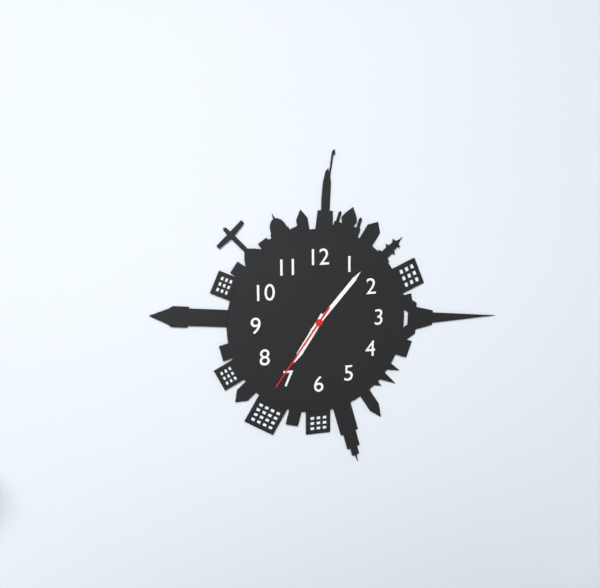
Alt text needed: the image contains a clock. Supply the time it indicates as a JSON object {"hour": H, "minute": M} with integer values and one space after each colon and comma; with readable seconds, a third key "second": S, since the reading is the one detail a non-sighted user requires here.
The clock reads {"hour": 7, "minute": 7, "second": 36}
